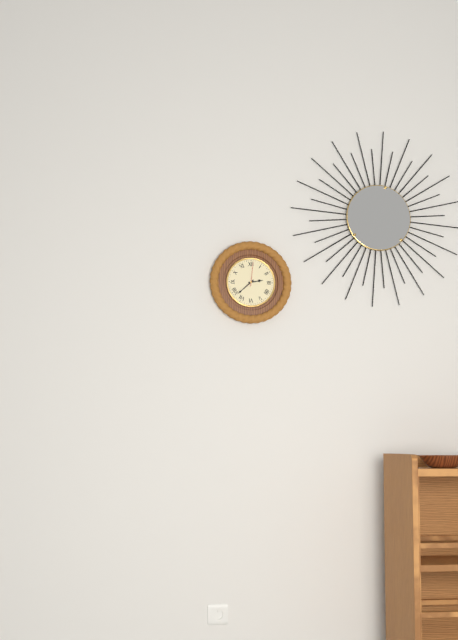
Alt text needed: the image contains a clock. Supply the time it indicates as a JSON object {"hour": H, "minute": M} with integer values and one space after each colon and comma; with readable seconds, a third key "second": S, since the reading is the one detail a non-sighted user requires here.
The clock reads {"hour": 2, "minute": 38}
